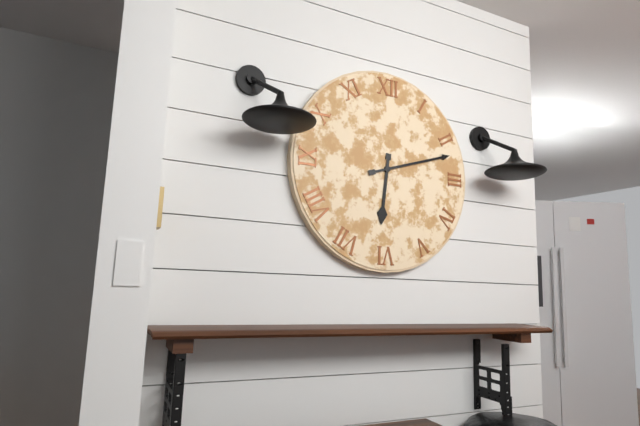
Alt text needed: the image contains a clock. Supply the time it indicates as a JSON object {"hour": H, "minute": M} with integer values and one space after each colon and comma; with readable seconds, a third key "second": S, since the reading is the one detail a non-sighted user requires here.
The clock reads {"hour": 6, "minute": 12}
